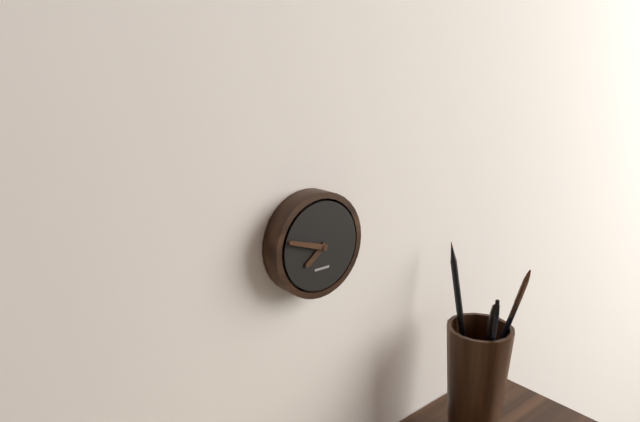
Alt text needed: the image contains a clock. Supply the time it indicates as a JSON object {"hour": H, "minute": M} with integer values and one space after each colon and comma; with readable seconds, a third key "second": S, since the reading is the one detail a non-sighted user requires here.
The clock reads {"hour": 7, "minute": 48}
